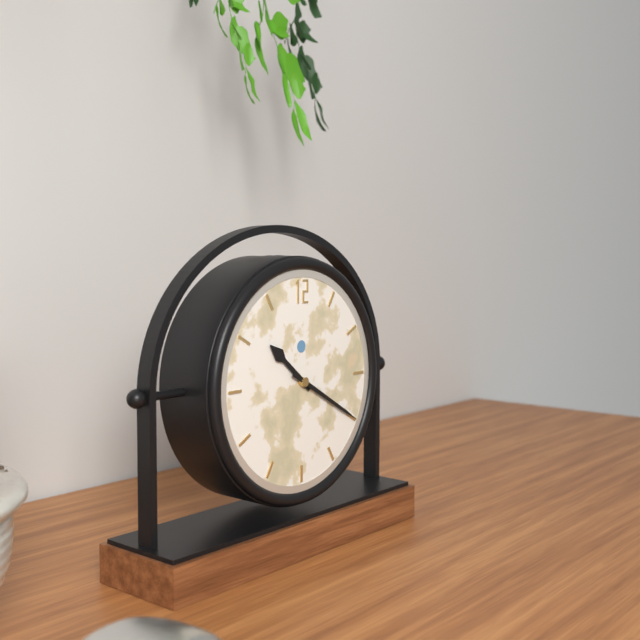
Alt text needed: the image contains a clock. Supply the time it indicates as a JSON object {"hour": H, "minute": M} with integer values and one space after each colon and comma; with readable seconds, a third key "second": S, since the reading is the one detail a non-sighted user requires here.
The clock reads {"hour": 10, "minute": 20}
